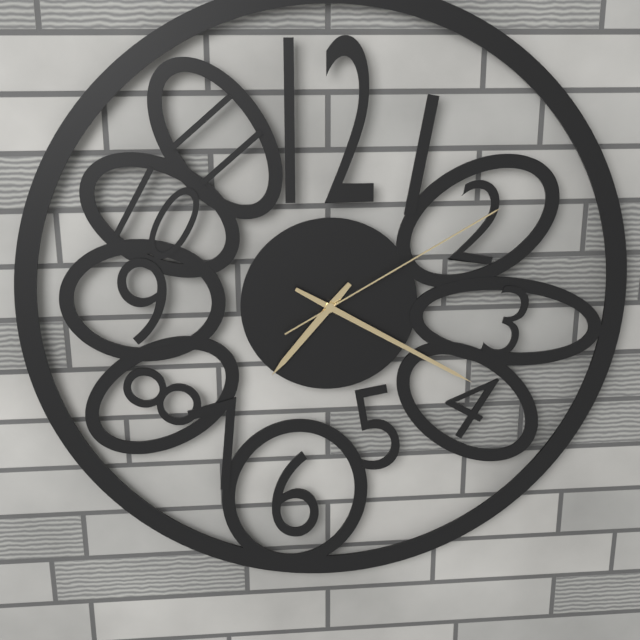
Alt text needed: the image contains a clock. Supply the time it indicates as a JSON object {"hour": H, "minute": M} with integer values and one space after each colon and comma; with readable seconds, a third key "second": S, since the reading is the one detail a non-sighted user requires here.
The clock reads {"hour": 7, "minute": 20, "second": 10}
